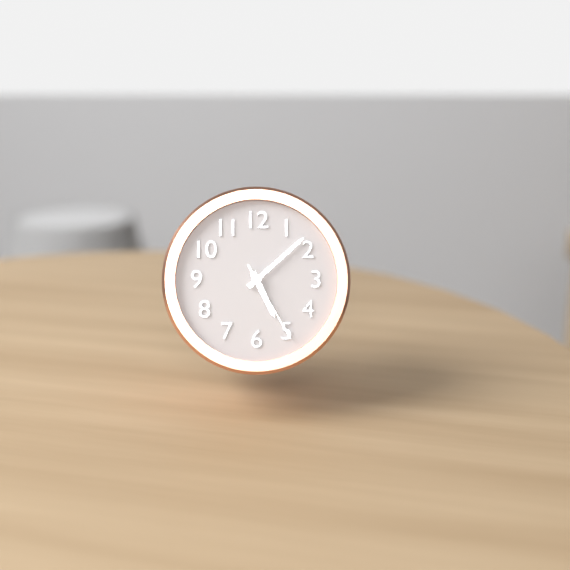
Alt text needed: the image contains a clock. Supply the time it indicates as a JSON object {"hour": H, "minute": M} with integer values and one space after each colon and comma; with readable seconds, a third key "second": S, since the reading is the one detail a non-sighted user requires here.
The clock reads {"hour": 5, "minute": 8, "second": 25}
